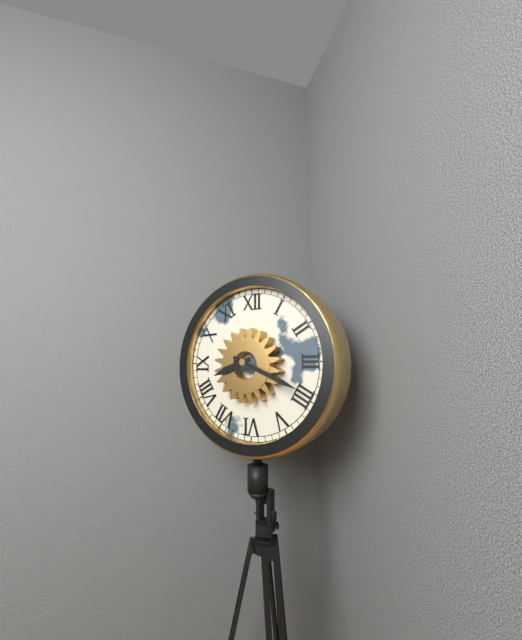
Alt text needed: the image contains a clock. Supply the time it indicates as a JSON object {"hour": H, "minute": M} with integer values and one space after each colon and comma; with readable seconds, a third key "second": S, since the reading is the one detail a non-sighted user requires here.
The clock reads {"hour": 8, "minute": 19}
